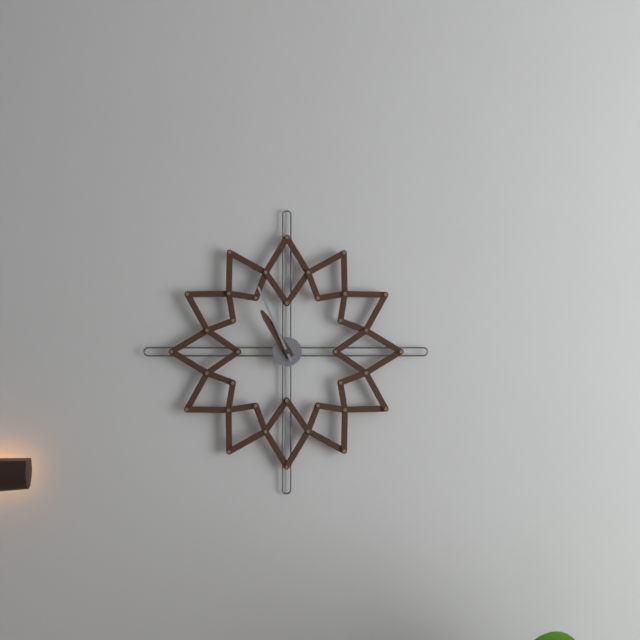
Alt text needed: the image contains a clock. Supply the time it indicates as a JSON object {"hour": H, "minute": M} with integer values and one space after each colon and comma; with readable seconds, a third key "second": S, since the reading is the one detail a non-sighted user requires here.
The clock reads {"hour": 10, "minute": 56}
